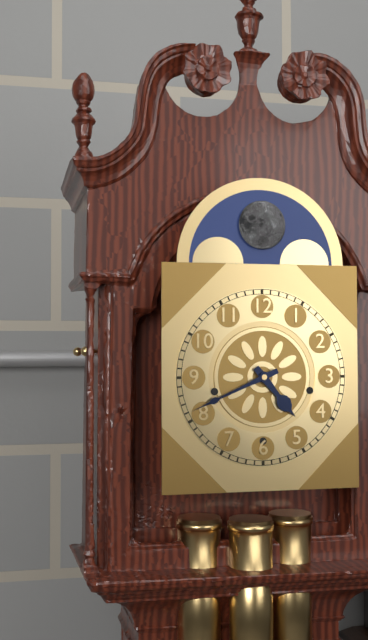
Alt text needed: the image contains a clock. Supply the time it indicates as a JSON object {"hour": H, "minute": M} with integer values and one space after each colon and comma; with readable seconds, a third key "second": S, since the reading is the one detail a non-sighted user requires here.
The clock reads {"hour": 4, "minute": 41}
